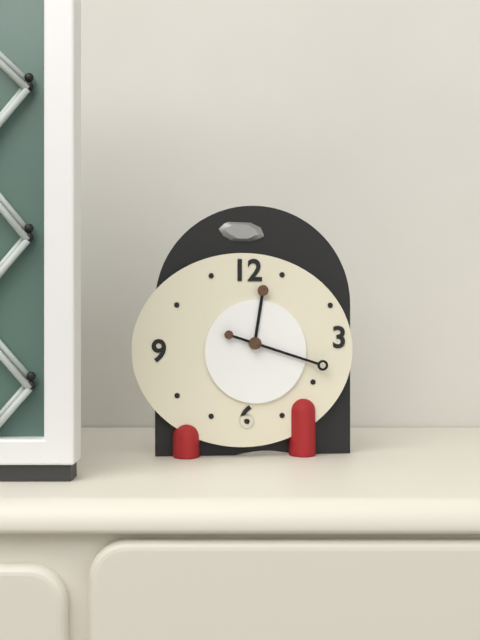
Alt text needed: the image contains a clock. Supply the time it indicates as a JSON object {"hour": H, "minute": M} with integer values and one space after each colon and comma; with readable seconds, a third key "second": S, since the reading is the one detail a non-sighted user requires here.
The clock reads {"hour": 12, "minute": 18}
